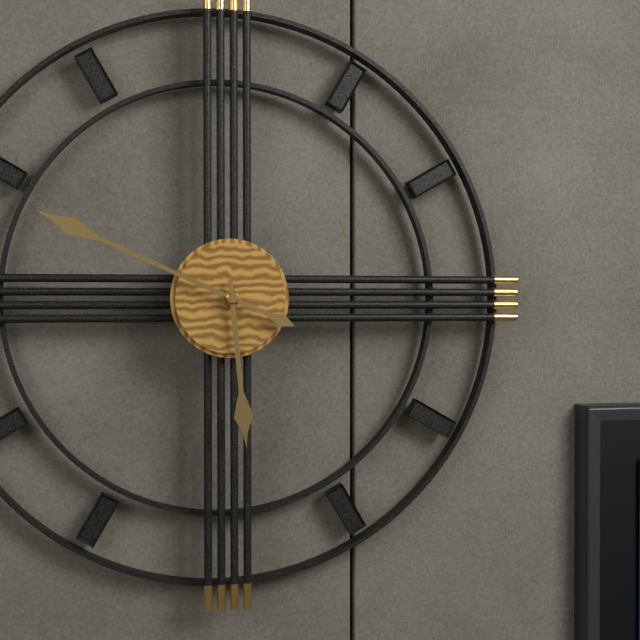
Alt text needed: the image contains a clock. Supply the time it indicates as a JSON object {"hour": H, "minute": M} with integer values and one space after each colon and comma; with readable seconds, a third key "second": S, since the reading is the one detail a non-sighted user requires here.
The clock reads {"hour": 5, "minute": 49}
